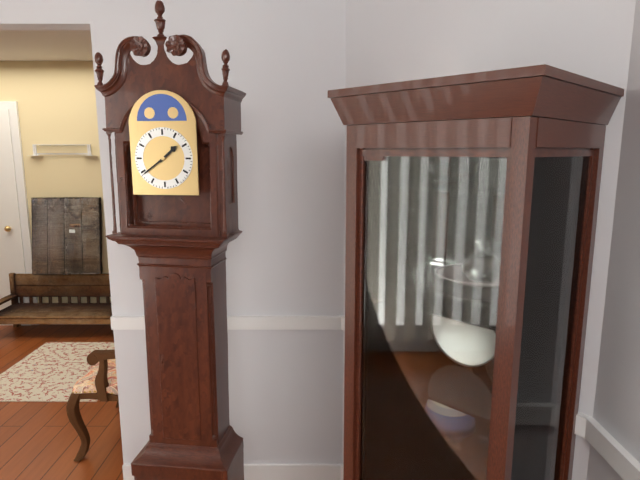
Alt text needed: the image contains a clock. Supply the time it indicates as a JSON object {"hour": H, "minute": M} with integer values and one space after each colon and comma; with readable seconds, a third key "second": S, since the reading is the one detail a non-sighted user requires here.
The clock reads {"hour": 1, "minute": 39}
